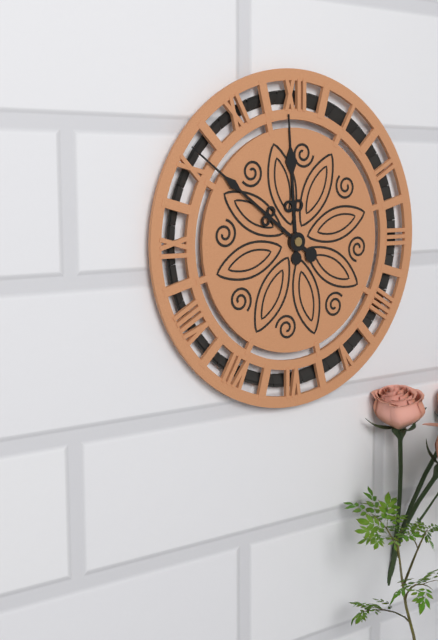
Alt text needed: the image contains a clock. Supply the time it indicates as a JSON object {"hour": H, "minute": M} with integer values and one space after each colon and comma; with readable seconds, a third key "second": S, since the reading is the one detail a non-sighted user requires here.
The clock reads {"hour": 11, "minute": 51}
